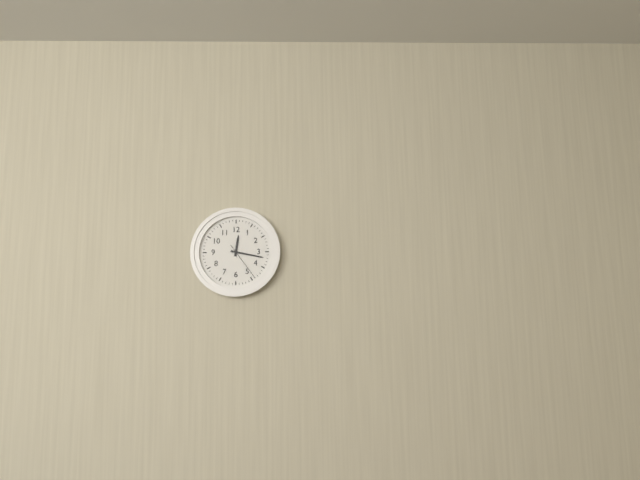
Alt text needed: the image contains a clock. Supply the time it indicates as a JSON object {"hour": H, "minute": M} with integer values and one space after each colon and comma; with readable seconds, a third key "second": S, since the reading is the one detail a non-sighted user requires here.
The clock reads {"hour": 12, "minute": 17}
